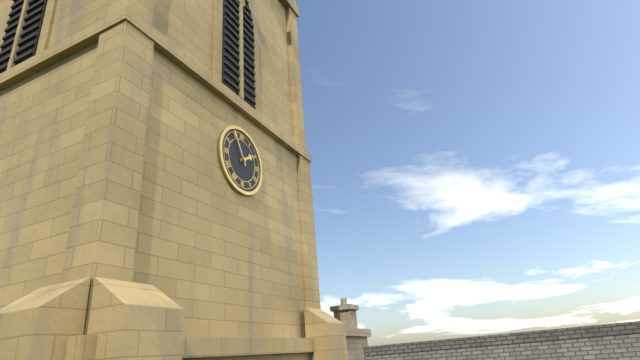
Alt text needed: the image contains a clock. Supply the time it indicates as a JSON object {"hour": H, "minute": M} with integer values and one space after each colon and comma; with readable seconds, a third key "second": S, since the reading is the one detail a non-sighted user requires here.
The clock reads {"hour": 1, "minute": 55}
